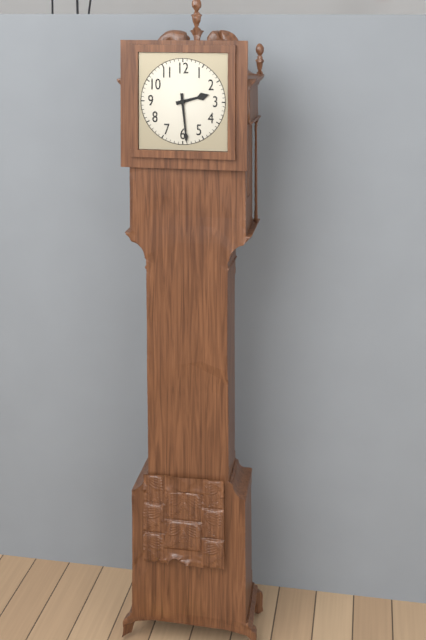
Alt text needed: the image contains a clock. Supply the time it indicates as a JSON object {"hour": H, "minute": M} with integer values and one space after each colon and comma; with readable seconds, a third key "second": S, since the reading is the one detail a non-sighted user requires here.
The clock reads {"hour": 2, "minute": 29}
